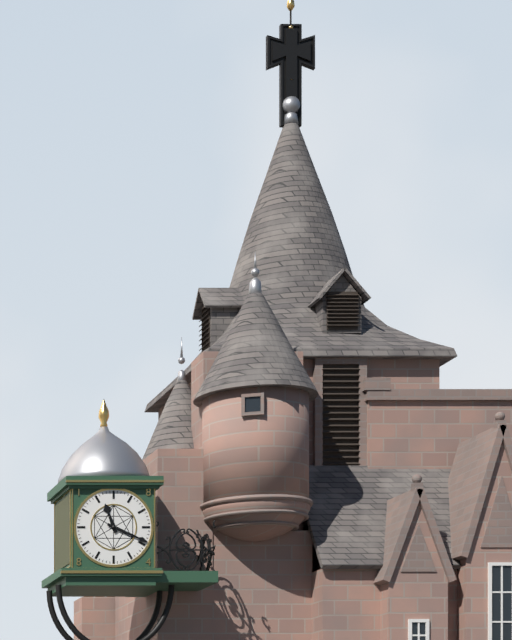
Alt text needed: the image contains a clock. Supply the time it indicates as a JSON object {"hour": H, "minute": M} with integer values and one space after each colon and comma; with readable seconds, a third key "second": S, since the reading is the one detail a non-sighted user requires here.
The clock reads {"hour": 11, "minute": 19}
